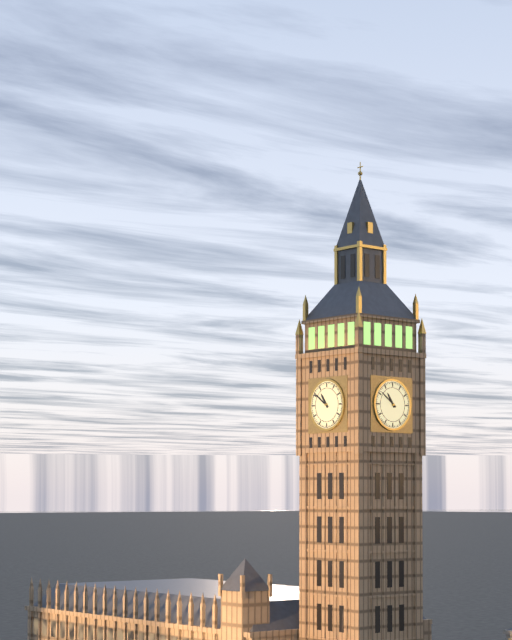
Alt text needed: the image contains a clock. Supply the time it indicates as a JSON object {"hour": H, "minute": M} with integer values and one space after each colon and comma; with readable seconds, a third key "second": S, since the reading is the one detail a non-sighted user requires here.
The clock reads {"hour": 10, "minute": 51}
